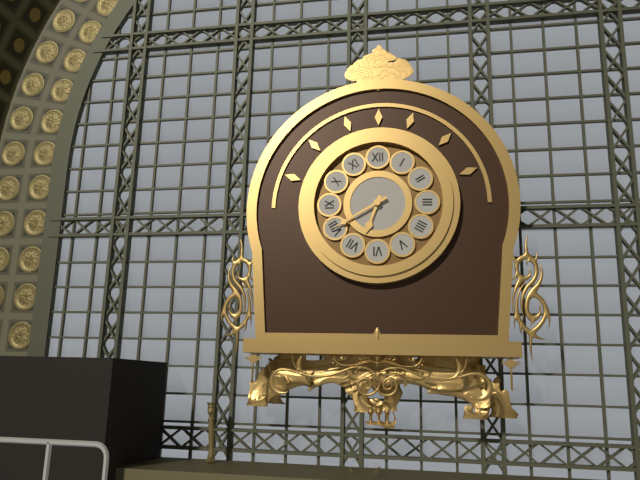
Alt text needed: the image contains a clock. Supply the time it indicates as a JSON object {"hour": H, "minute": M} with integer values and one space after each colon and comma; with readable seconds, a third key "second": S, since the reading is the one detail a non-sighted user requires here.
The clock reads {"hour": 6, "minute": 40}
